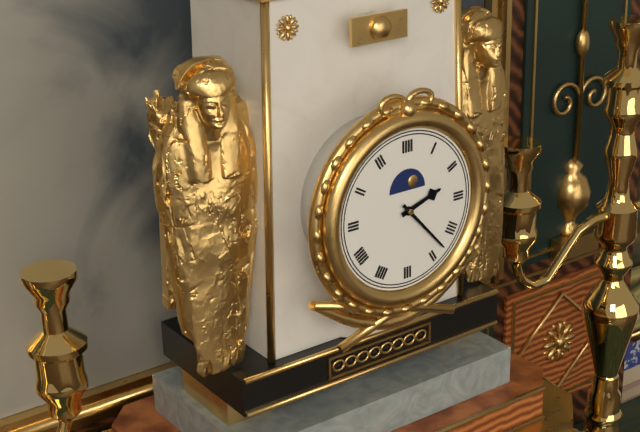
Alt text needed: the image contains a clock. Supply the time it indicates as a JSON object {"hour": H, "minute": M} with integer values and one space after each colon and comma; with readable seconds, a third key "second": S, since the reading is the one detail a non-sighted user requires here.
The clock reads {"hour": 2, "minute": 23}
